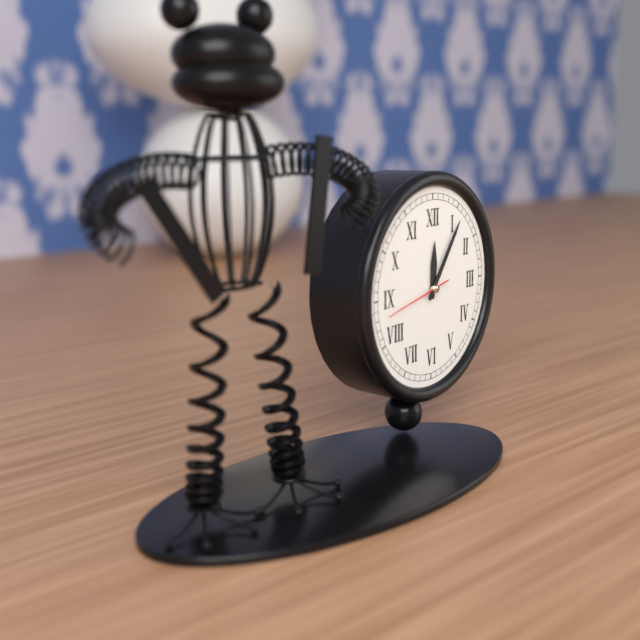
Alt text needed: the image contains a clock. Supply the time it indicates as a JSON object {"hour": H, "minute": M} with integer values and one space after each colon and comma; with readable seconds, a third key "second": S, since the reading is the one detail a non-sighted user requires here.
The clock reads {"hour": 12, "minute": 6}
